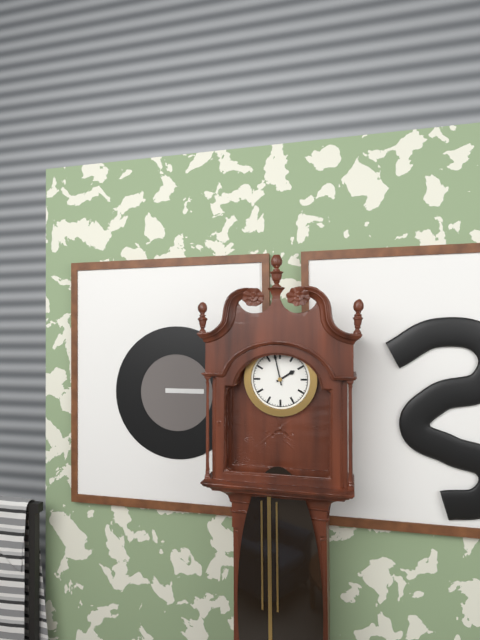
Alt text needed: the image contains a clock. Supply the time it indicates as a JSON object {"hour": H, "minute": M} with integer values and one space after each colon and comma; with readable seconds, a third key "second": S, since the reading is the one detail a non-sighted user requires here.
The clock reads {"hour": 1, "minute": 58}
